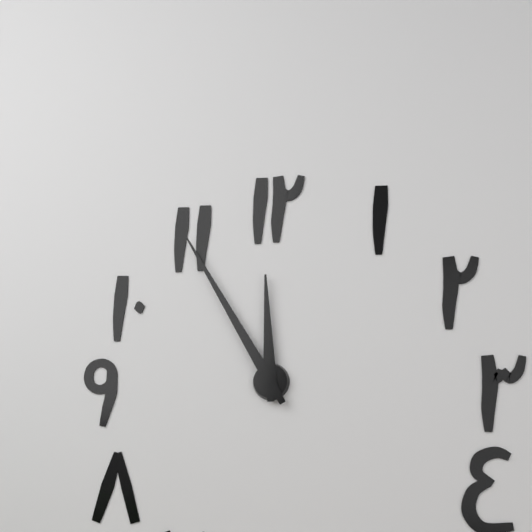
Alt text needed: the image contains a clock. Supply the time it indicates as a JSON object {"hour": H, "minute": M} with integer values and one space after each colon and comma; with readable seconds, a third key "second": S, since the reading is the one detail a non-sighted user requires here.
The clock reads {"hour": 11, "minute": 55}
